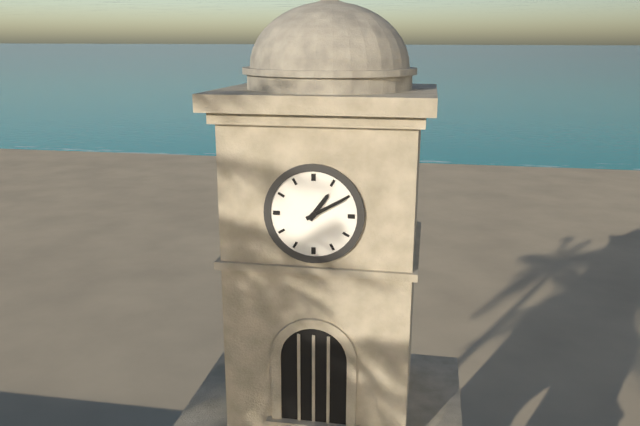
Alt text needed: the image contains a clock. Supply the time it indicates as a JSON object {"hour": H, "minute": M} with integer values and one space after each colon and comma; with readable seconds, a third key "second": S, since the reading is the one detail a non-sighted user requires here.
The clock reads {"hour": 1, "minute": 10}
